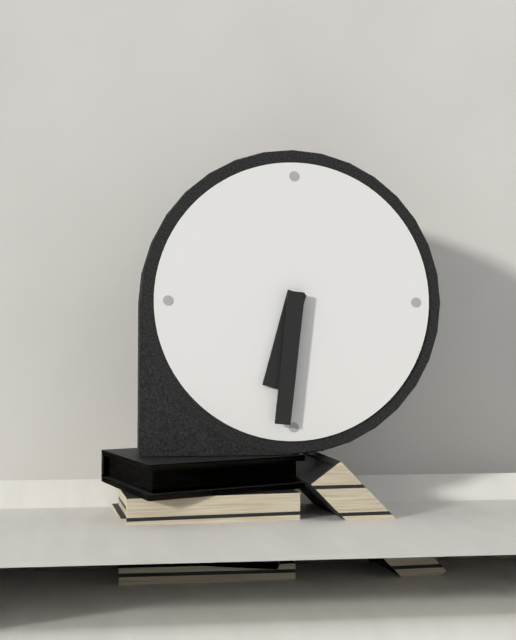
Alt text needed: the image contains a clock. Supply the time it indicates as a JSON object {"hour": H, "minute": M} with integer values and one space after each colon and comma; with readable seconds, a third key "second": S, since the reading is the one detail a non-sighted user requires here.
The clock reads {"hour": 6, "minute": 31}
